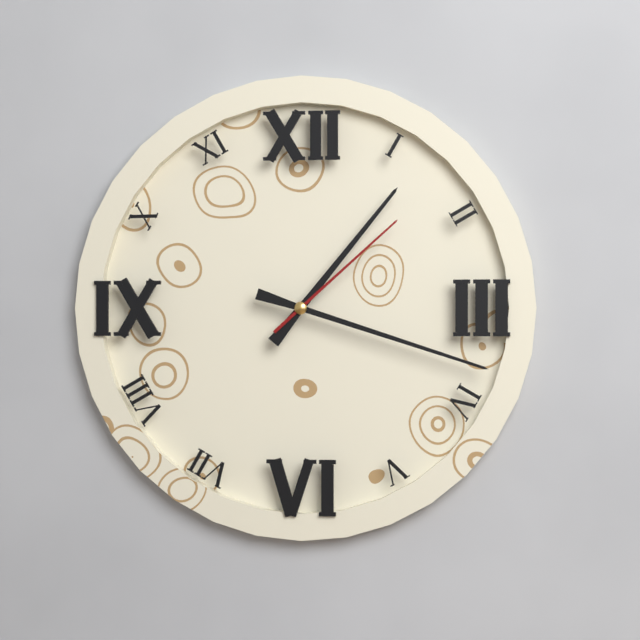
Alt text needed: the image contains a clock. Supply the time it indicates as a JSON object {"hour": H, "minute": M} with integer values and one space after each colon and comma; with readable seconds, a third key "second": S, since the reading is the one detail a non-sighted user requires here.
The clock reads {"hour": 1, "minute": 18, "second": 8}
